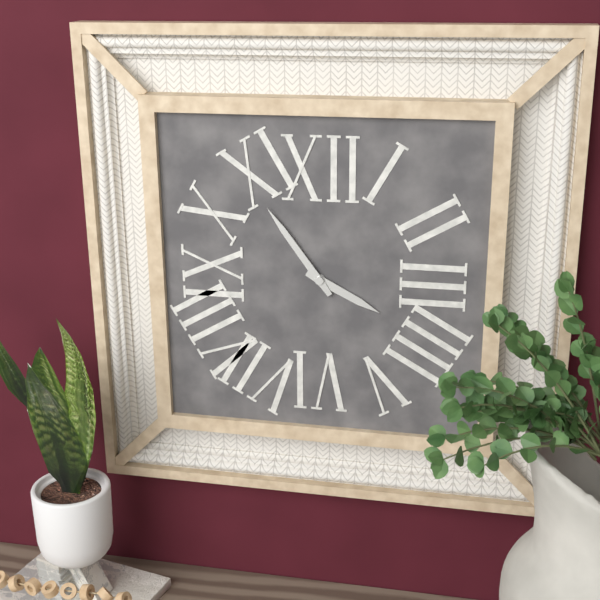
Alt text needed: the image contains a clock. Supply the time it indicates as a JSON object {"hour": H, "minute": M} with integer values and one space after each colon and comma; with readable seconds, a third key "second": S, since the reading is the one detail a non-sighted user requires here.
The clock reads {"hour": 3, "minute": 54}
